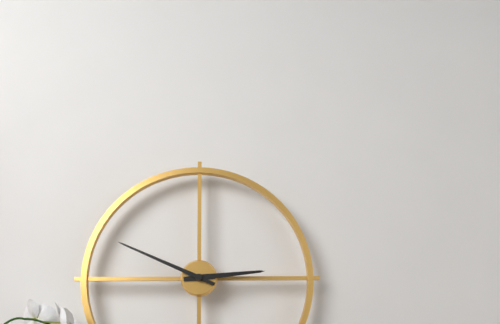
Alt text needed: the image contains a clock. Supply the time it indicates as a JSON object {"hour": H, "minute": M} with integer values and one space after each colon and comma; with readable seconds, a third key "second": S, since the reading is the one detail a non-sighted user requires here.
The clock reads {"hour": 2, "minute": 49}
